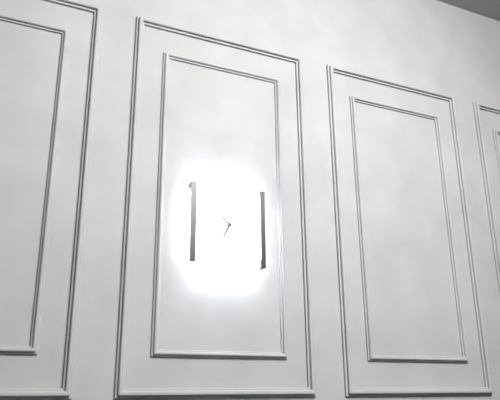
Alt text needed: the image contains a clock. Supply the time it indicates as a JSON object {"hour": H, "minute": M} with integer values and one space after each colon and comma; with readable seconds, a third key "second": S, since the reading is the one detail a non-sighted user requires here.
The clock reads {"hour": 6, "minute": 52}
